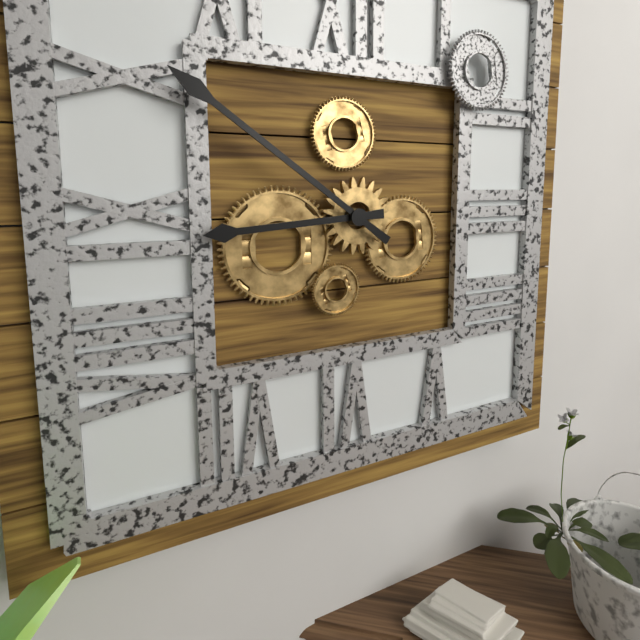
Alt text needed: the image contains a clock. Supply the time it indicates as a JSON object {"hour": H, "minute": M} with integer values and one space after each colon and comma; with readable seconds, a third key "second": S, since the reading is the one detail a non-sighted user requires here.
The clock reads {"hour": 8, "minute": 51}
